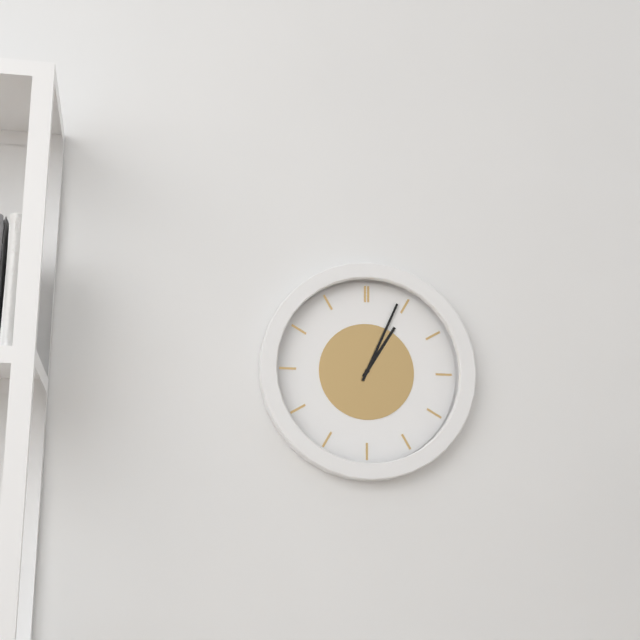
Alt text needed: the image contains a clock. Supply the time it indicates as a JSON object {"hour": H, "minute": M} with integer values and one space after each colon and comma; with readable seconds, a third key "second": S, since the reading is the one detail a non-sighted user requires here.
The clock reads {"hour": 1, "minute": 4}
